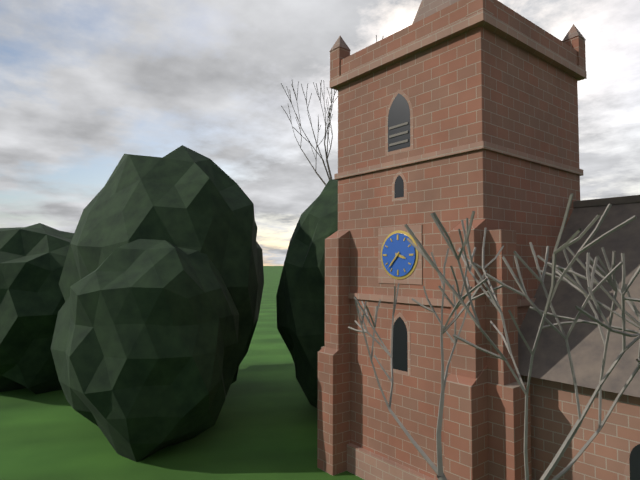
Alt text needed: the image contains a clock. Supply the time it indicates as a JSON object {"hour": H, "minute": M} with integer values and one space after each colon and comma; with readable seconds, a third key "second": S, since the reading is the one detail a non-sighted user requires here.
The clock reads {"hour": 3, "minute": 37}
